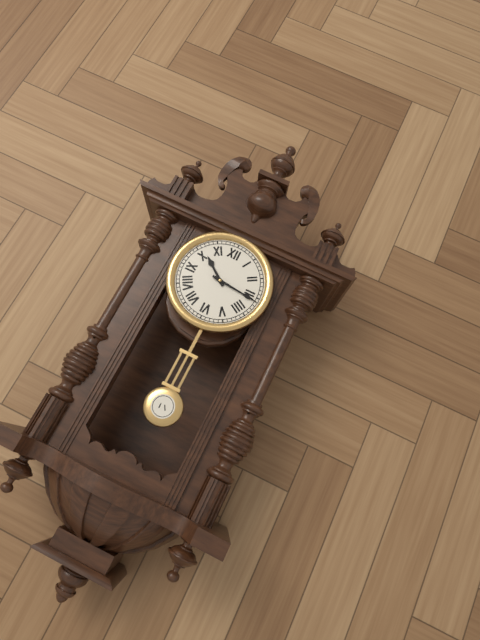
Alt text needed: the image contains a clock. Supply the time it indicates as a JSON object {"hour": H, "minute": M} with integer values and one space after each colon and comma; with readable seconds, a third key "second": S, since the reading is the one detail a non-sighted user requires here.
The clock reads {"hour": 10, "minute": 16}
